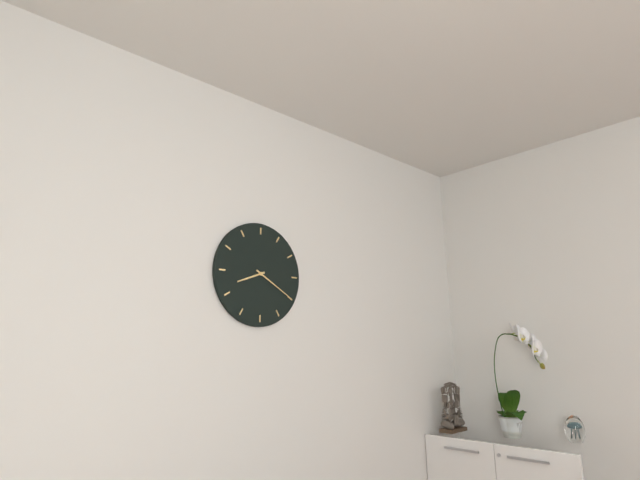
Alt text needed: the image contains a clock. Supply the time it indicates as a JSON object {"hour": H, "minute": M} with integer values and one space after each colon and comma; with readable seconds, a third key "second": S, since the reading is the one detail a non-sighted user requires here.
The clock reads {"hour": 8, "minute": 20}
